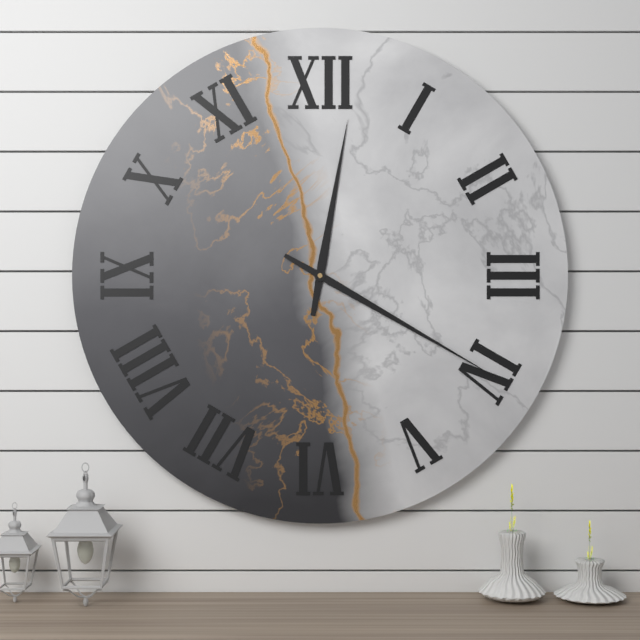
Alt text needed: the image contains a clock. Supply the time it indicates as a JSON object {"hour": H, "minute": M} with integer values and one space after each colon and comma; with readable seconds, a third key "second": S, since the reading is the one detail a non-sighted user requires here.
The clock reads {"hour": 12, "minute": 20}
